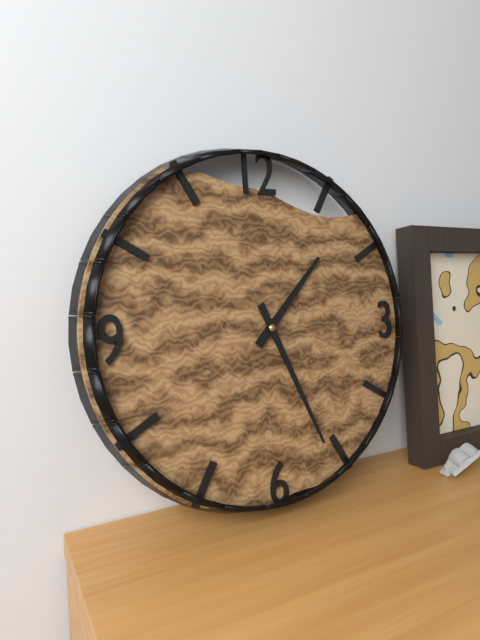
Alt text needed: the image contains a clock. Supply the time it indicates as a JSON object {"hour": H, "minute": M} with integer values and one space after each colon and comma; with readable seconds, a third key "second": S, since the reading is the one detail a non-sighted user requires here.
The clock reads {"hour": 1, "minute": 26}
